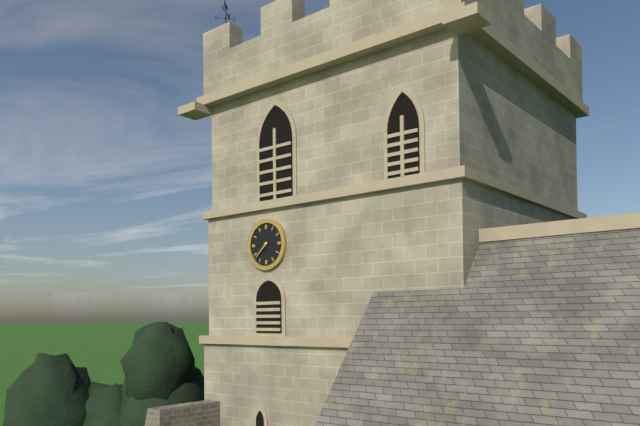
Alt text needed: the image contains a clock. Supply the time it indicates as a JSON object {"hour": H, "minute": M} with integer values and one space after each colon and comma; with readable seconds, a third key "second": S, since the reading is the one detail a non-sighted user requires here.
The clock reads {"hour": 7, "minute": 38}
